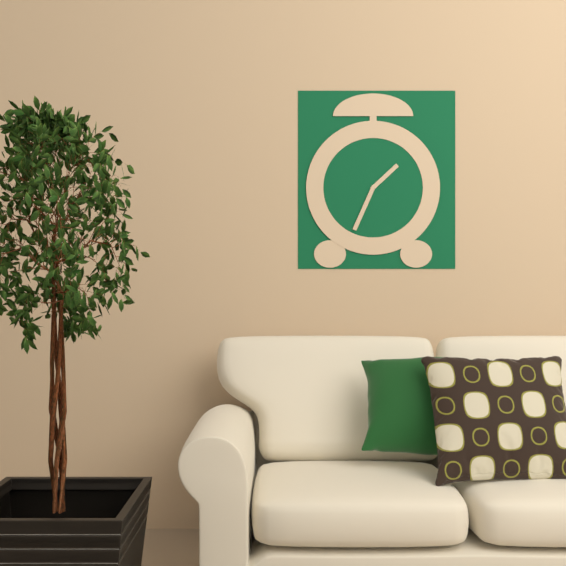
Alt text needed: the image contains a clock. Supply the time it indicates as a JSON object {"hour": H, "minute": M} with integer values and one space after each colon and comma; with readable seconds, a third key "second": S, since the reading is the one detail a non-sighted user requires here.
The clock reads {"hour": 1, "minute": 34}
